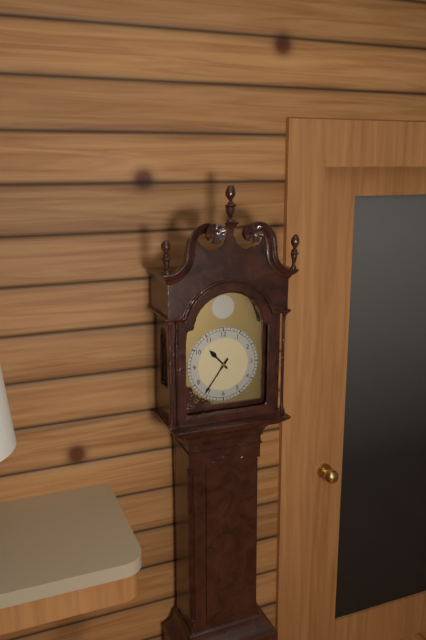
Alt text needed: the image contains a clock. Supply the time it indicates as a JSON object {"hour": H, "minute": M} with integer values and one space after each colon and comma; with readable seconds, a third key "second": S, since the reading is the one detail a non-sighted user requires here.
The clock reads {"hour": 10, "minute": 36}
